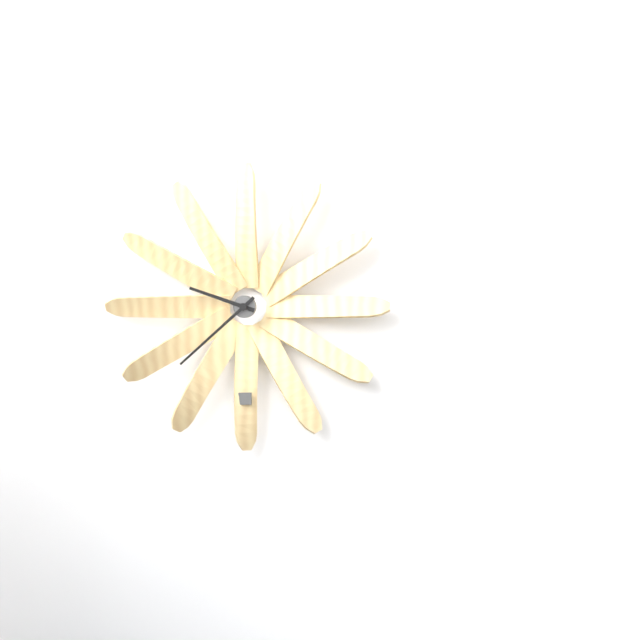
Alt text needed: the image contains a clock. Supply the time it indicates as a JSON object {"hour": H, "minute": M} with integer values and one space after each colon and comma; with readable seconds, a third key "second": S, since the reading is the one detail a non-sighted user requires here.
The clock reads {"hour": 9, "minute": 38}
